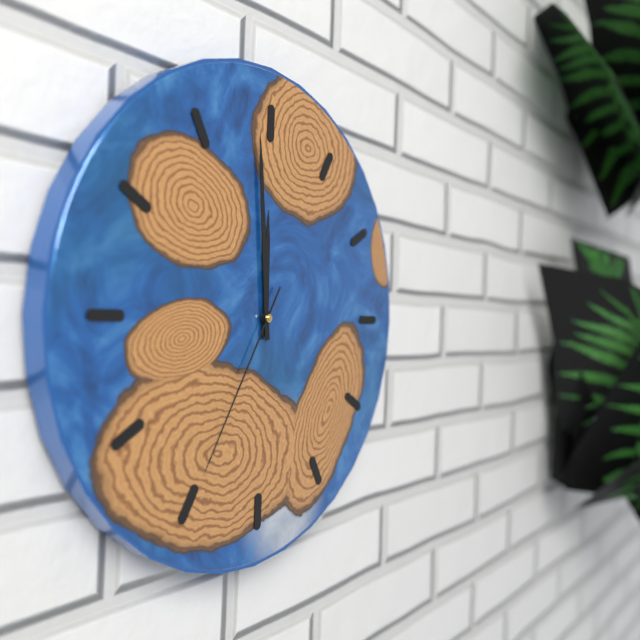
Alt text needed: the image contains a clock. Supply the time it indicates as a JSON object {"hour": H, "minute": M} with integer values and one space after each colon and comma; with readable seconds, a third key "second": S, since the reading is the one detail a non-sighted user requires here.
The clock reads {"hour": 11, "minute": 59, "second": 35}
